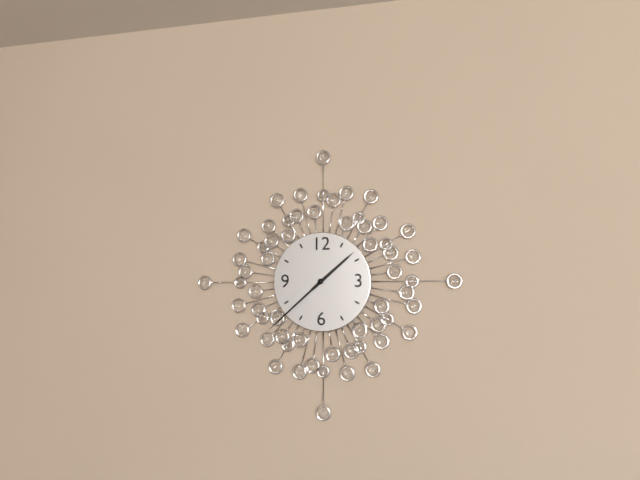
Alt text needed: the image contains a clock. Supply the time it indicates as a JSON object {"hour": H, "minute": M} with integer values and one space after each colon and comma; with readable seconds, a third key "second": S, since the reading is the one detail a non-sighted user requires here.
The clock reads {"hour": 1, "minute": 38}
